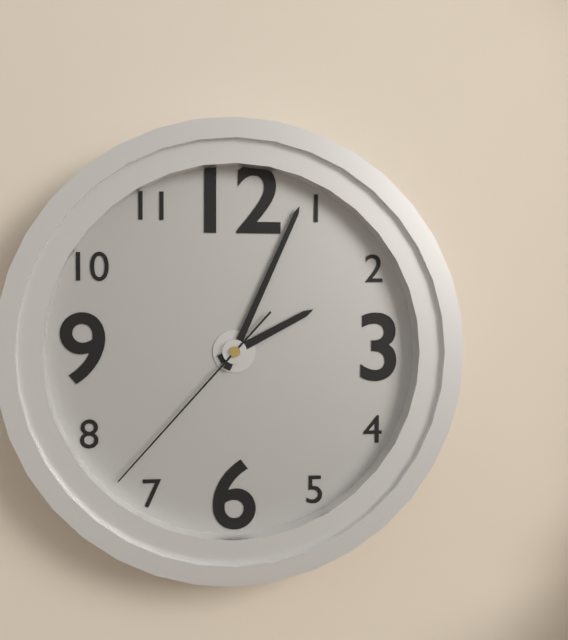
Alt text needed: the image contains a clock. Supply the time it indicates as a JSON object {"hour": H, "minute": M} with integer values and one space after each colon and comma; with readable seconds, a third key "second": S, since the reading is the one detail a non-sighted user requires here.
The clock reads {"hour": 2, "minute": 4, "second": 37}
